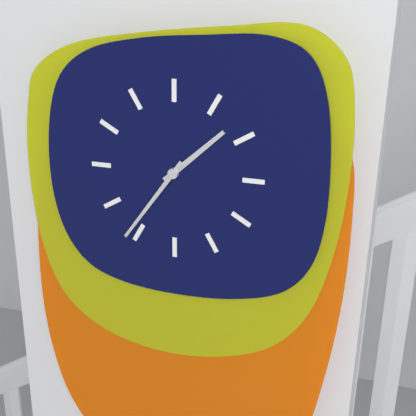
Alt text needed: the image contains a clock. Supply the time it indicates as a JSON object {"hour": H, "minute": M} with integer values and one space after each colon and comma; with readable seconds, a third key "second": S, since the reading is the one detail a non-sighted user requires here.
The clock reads {"hour": 1, "minute": 36}
